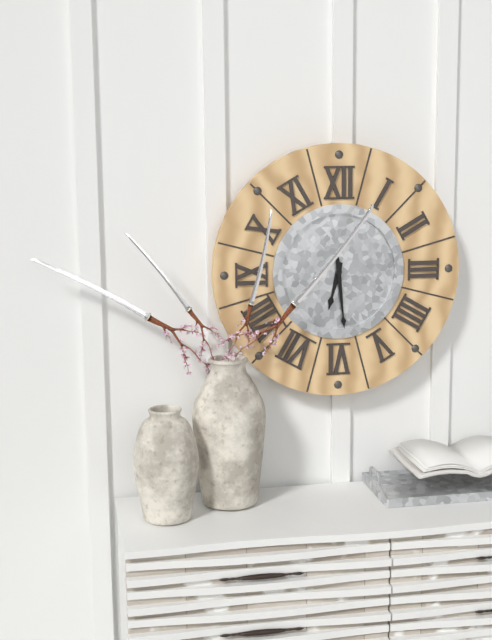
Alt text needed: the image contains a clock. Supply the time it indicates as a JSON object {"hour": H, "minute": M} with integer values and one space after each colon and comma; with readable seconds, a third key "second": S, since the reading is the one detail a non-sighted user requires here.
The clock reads {"hour": 6, "minute": 29}
